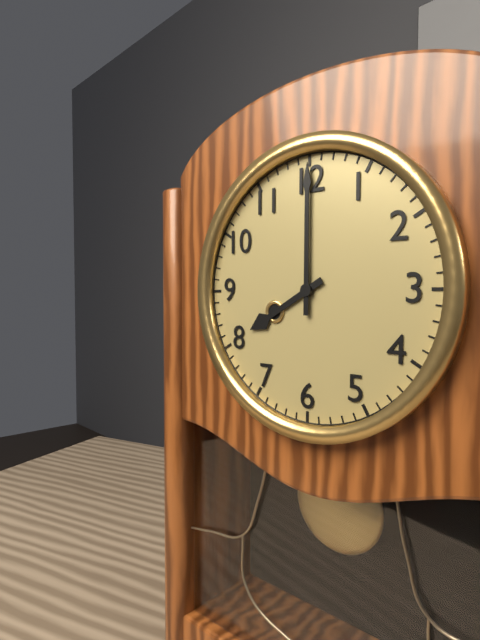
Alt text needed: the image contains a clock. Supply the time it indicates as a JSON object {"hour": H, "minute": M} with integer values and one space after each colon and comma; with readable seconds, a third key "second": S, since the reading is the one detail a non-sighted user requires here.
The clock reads {"hour": 8, "minute": 0}
